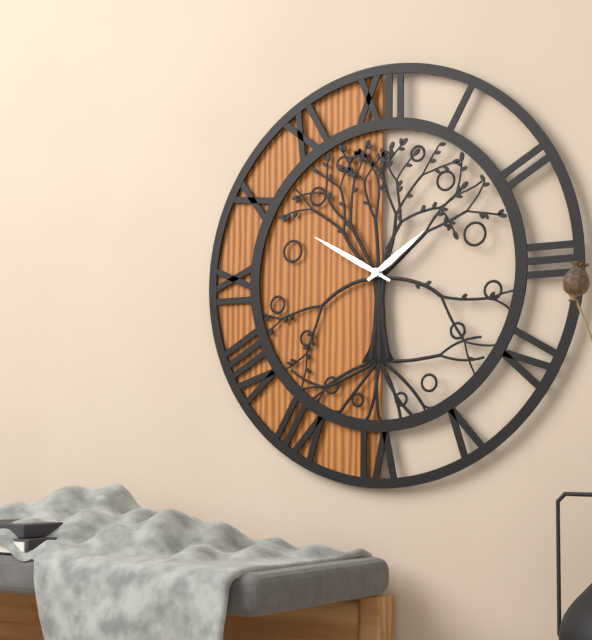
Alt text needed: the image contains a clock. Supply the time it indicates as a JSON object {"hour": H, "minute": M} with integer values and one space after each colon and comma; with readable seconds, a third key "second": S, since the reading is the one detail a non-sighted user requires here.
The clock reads {"hour": 1, "minute": 50}
